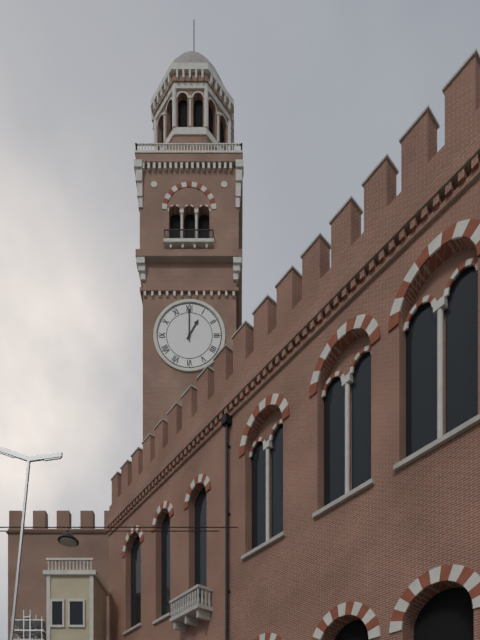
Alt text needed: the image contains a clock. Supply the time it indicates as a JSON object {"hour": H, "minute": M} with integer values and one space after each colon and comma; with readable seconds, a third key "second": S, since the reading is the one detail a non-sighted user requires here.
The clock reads {"hour": 1, "minute": 0}
